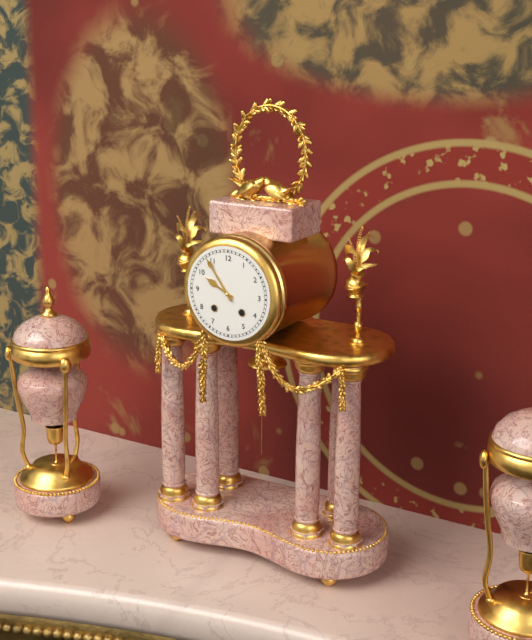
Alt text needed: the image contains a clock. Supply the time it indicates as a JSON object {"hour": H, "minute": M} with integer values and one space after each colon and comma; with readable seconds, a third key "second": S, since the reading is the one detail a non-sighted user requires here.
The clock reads {"hour": 9, "minute": 54}
